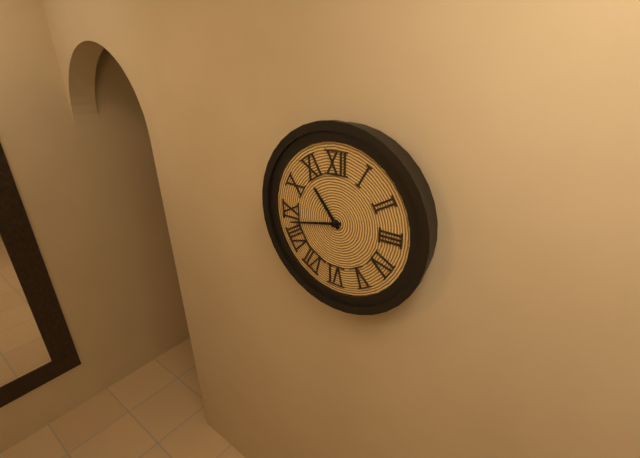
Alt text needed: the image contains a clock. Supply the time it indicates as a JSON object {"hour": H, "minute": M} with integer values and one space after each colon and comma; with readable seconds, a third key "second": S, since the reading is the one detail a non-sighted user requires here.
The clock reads {"hour": 10, "minute": 43}
